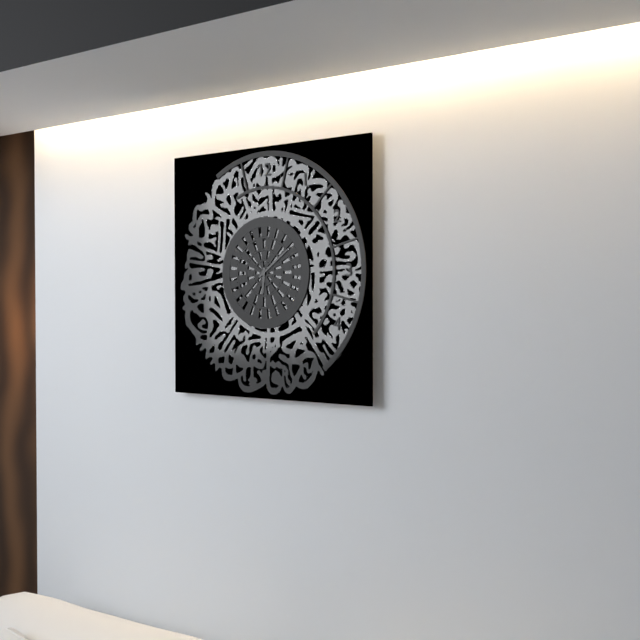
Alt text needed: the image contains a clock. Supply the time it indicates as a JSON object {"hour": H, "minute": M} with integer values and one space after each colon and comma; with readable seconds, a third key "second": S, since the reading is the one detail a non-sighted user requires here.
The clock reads {"hour": 6, "minute": 9}
